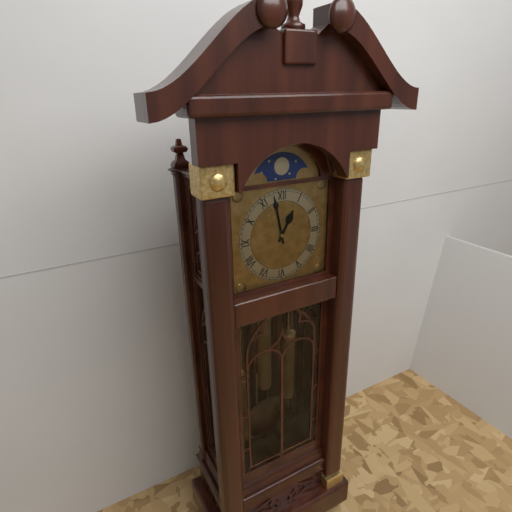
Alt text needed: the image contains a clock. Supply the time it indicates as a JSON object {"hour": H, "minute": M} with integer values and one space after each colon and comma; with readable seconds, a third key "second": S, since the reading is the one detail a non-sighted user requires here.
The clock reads {"hour": 12, "minute": 58}
